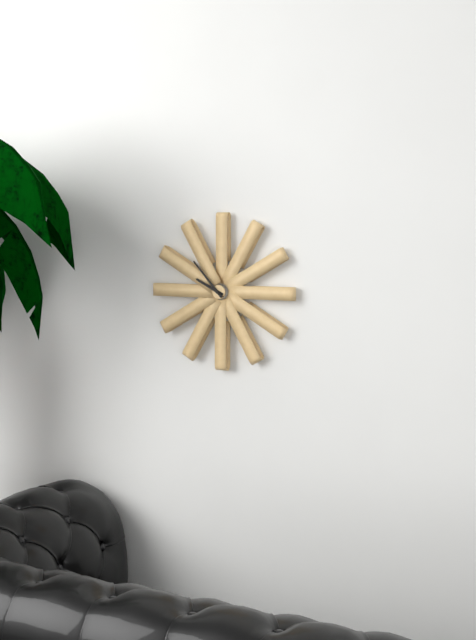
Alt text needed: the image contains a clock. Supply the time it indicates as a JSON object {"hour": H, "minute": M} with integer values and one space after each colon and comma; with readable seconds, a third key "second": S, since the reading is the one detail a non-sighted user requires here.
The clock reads {"hour": 9, "minute": 53}
